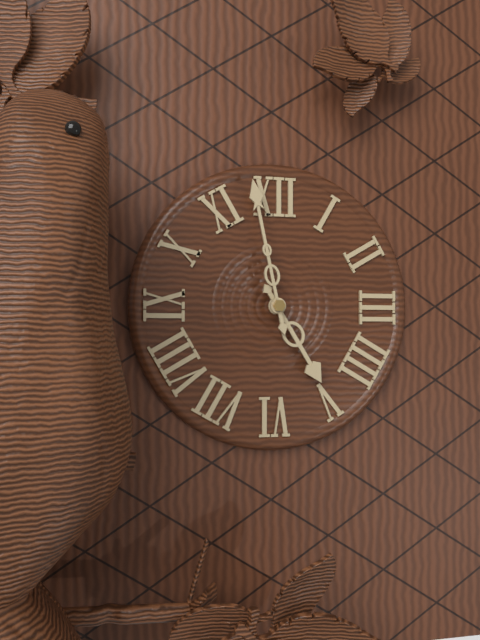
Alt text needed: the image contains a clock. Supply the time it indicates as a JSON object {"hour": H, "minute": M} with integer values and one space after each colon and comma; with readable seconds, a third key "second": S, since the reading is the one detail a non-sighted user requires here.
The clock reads {"hour": 4, "minute": 58}
